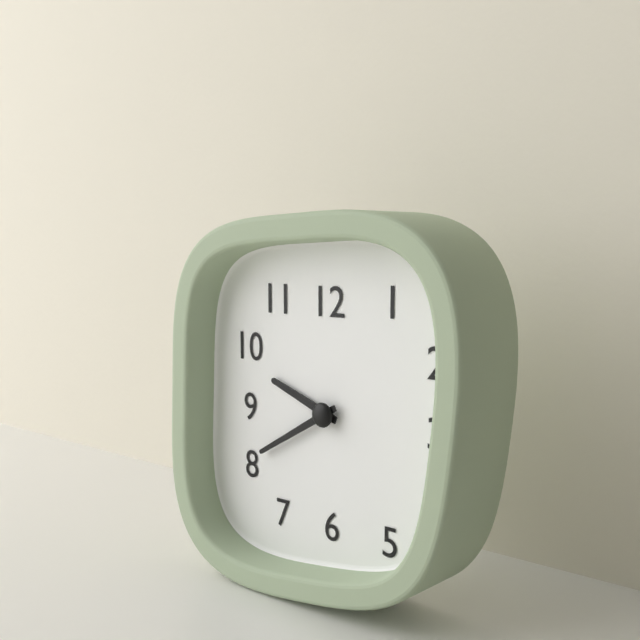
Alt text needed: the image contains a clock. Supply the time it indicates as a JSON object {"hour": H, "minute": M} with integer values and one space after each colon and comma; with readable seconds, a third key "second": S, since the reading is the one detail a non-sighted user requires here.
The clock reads {"hour": 9, "minute": 40}
